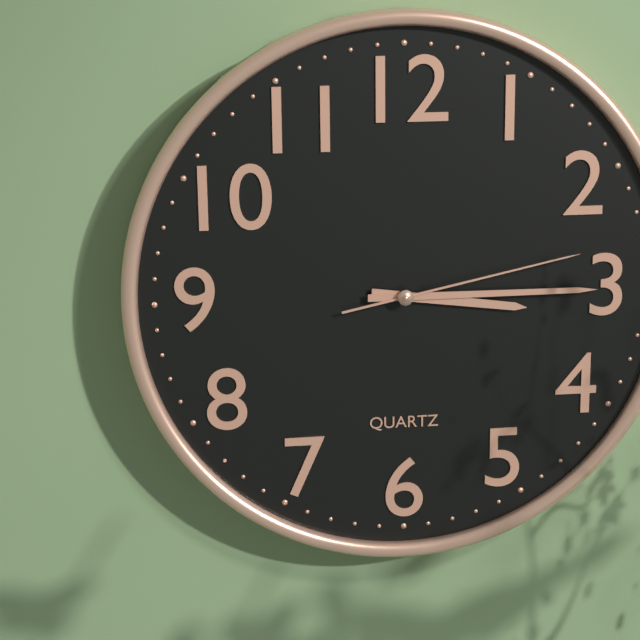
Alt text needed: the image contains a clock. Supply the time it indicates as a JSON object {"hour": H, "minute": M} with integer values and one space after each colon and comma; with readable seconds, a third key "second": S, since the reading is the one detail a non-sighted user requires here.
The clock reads {"hour": 3, "minute": 15, "second": 13}
